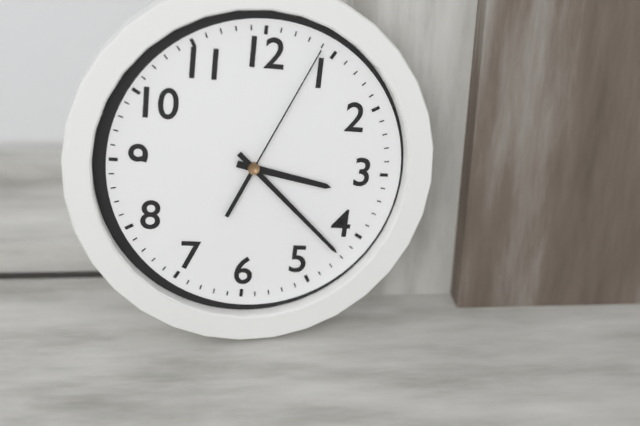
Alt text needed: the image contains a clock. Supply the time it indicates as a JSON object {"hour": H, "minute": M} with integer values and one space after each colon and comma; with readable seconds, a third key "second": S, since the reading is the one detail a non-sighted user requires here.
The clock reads {"hour": 3, "minute": 22, "second": 4}
